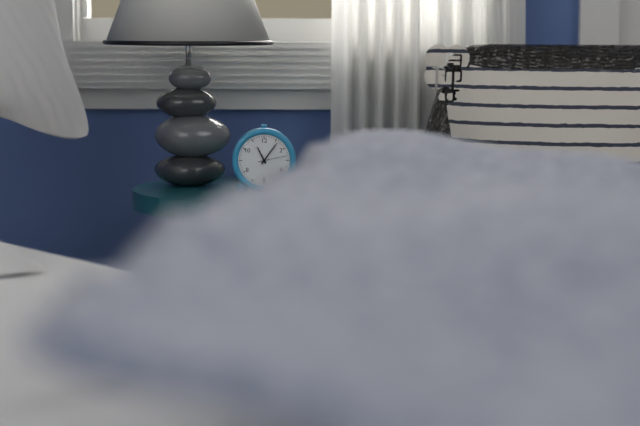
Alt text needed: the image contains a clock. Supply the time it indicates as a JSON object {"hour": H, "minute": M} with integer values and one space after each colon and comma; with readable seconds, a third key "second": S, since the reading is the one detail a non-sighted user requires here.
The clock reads {"hour": 11, "minute": 6}
